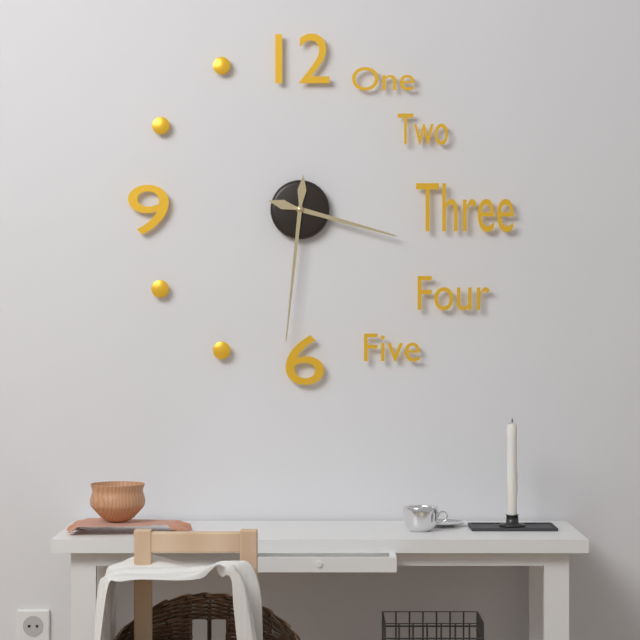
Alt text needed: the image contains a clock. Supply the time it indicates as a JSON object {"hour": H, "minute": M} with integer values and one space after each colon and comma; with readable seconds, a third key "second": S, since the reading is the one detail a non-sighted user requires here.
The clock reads {"hour": 3, "minute": 31}
